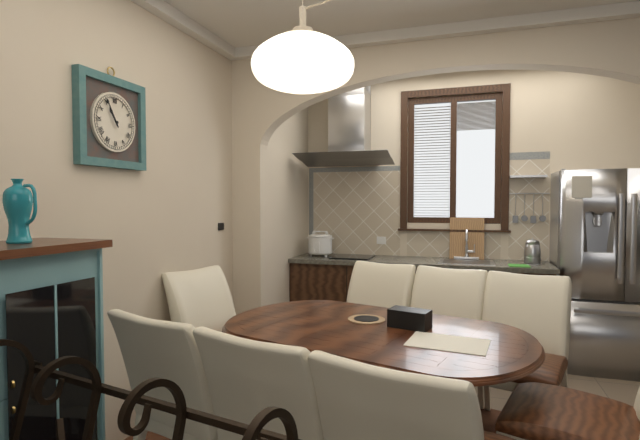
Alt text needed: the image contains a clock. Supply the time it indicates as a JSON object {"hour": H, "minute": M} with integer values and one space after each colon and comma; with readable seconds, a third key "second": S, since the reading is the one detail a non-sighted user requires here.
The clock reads {"hour": 10, "minute": 55}
